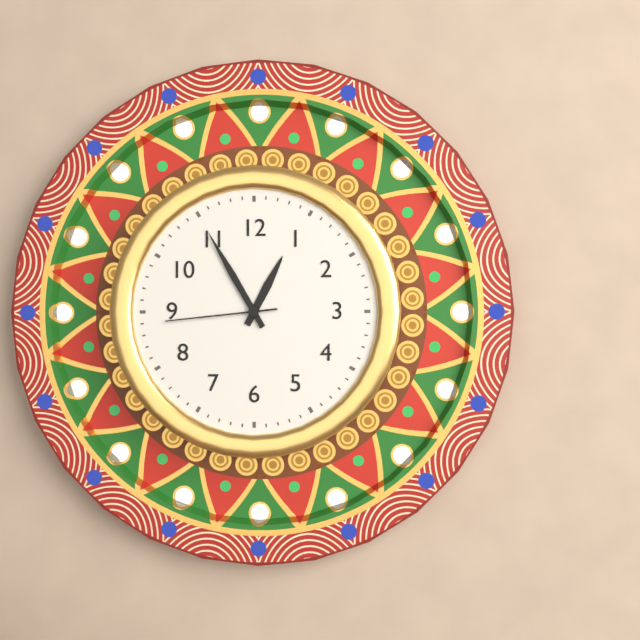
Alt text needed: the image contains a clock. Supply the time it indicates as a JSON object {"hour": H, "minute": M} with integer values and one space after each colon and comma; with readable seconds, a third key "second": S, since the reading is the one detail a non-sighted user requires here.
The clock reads {"hour": 12, "minute": 55, "second": 44}
